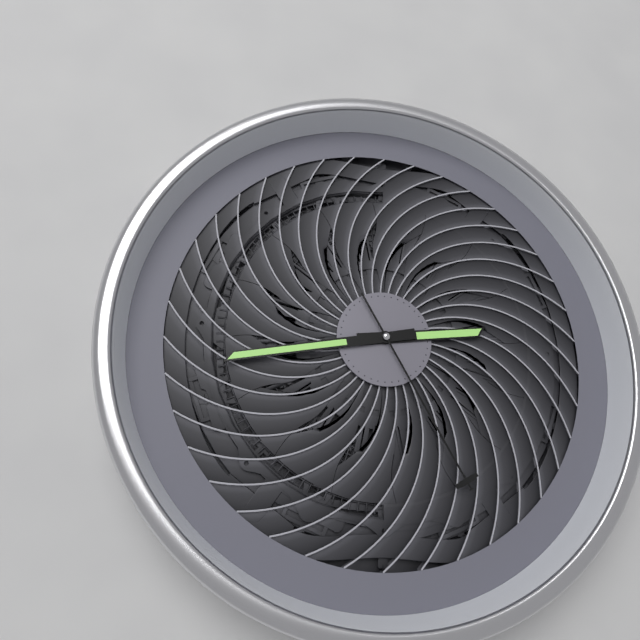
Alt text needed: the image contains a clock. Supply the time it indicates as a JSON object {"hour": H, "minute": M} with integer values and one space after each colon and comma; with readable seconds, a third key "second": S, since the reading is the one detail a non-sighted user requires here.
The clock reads {"hour": 2, "minute": 43, "second": 25}
